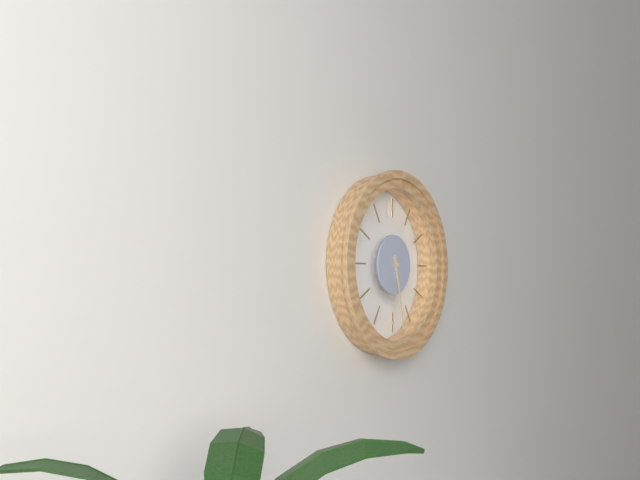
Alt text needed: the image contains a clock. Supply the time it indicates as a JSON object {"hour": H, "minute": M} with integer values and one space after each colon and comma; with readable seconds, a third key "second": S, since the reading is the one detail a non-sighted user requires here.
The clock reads {"hour": 5, "minute": 28}
